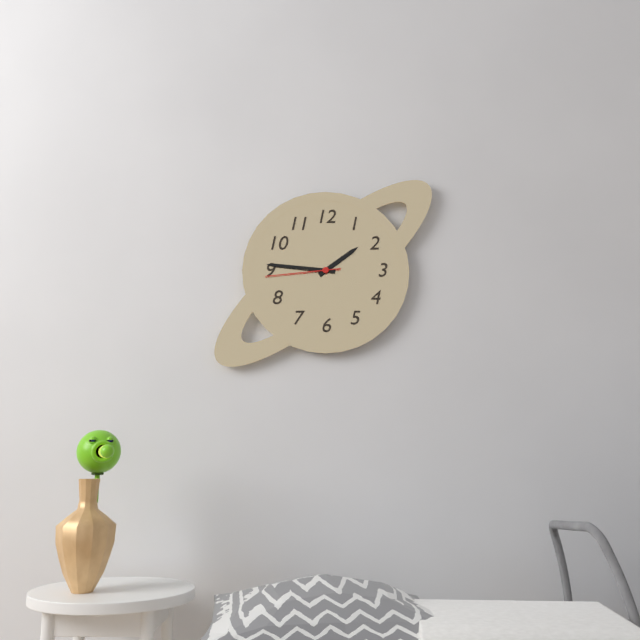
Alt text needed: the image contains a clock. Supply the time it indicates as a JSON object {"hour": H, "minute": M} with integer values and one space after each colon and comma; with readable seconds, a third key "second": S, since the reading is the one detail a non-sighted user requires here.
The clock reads {"hour": 1, "minute": 46, "second": 44}
